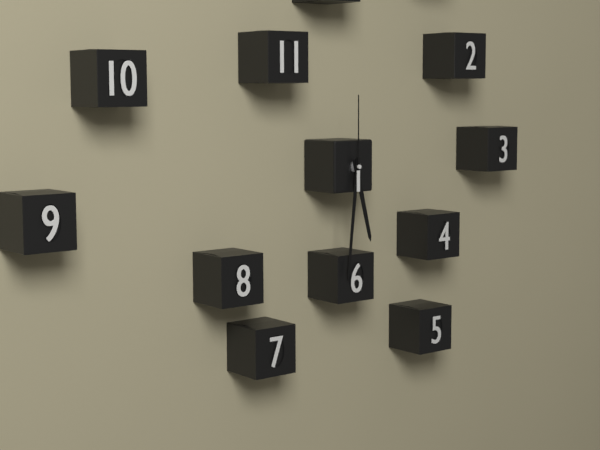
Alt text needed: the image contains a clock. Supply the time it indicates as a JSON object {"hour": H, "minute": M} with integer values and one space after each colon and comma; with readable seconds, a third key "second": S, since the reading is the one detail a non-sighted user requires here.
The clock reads {"hour": 5, "minute": 31, "second": 0}
